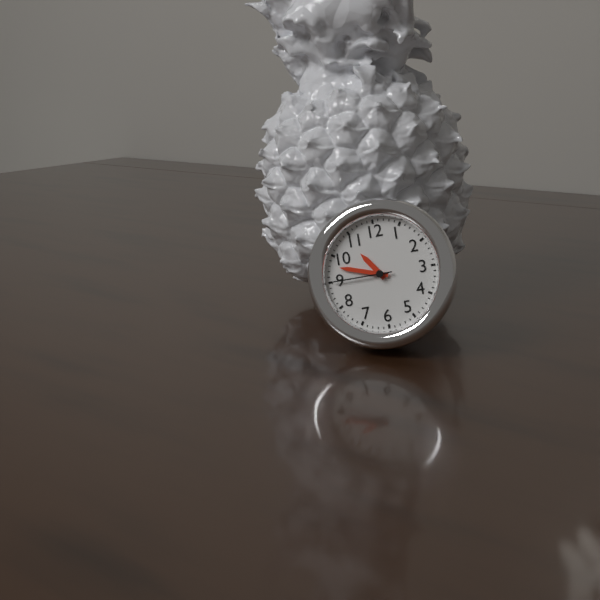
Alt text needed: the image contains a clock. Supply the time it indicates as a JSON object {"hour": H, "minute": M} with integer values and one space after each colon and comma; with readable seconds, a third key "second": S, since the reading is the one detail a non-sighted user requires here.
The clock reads {"hour": 10, "minute": 48, "second": 45}
